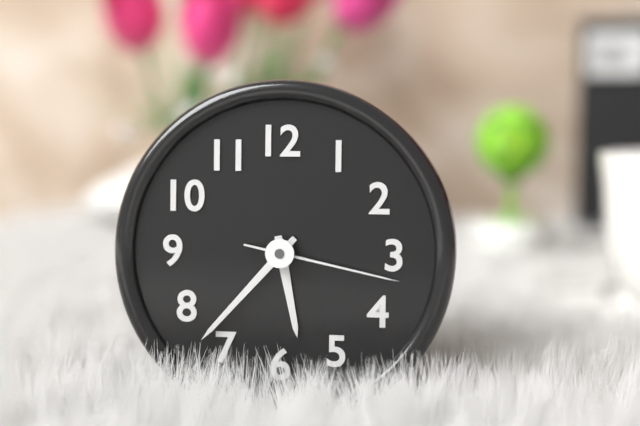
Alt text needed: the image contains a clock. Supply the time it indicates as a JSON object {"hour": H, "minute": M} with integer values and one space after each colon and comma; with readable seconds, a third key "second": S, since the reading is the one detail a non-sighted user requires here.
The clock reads {"hour": 5, "minute": 37, "second": 17}
